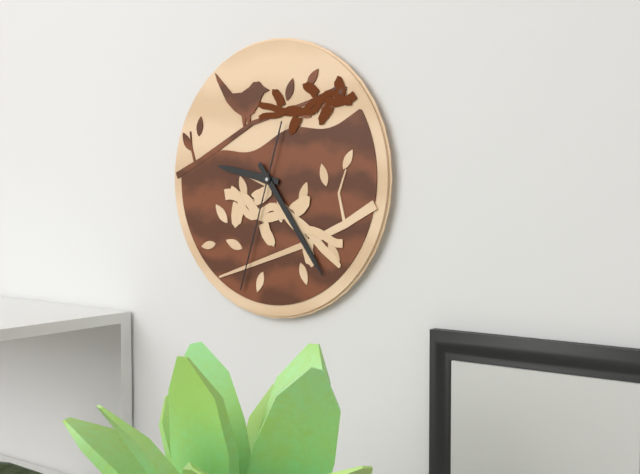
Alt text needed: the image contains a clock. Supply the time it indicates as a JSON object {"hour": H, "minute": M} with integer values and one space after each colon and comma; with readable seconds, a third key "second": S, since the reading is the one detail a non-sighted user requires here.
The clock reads {"hour": 9, "minute": 24, "second": 33}
